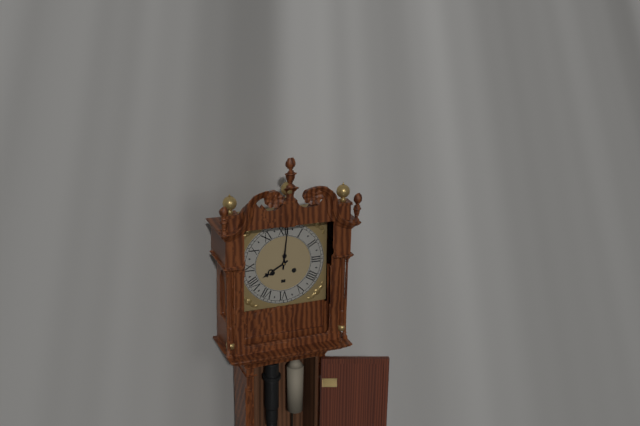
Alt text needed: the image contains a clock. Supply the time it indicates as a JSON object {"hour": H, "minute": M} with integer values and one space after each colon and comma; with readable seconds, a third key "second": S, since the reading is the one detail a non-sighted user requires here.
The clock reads {"hour": 8, "minute": 1}
